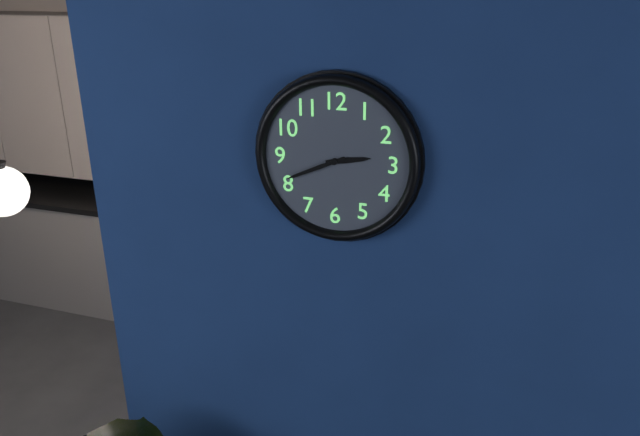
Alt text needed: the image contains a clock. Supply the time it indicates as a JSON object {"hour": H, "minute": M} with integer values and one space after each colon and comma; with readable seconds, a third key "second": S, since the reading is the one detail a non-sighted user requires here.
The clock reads {"hour": 2, "minute": 41}
